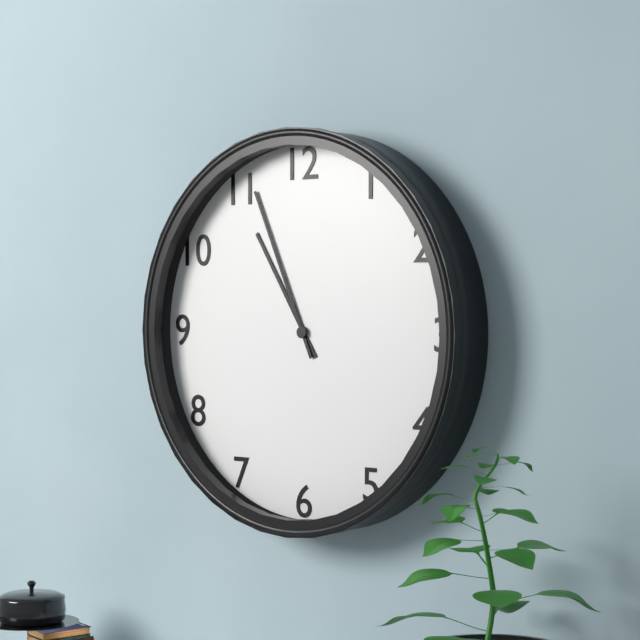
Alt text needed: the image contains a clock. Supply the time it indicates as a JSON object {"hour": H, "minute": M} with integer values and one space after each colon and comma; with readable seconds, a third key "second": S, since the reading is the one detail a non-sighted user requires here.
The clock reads {"hour": 10, "minute": 56}
